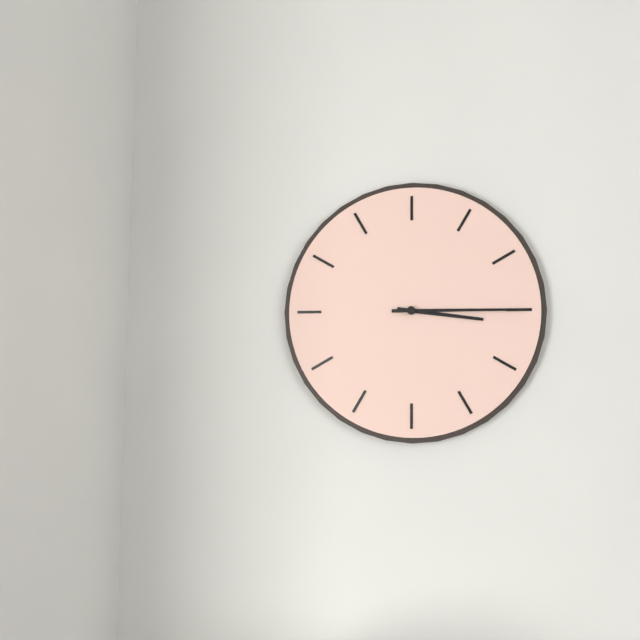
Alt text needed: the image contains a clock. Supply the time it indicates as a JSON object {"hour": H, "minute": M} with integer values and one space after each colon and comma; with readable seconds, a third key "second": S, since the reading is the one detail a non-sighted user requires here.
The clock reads {"hour": 3, "minute": 15}
